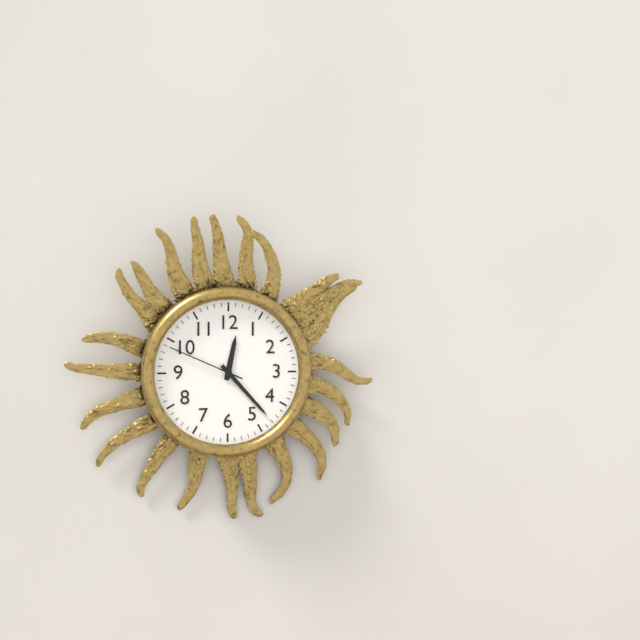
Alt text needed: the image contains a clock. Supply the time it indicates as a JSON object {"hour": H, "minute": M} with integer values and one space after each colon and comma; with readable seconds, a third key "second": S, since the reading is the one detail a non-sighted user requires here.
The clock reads {"hour": 12, "minute": 23, "second": 49}
